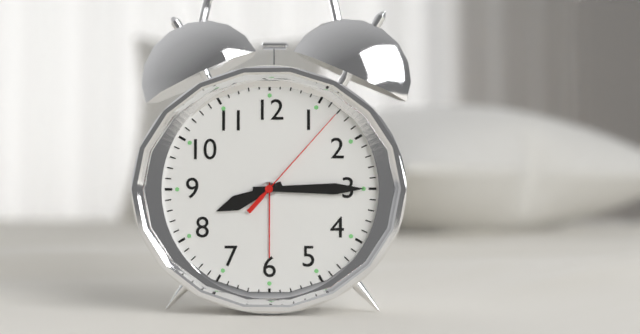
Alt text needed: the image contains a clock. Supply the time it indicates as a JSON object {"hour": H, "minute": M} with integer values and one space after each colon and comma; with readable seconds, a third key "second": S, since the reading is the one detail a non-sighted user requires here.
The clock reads {"hour": 8, "minute": 15, "second": 7}
